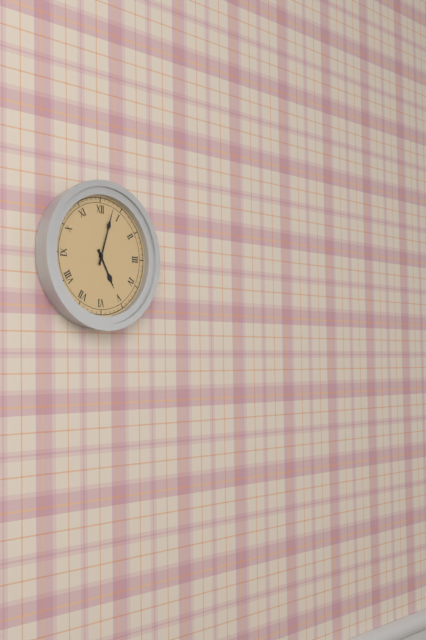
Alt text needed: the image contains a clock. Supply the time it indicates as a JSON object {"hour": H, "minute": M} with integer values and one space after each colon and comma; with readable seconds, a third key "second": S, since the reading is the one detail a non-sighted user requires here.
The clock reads {"hour": 5, "minute": 3}
